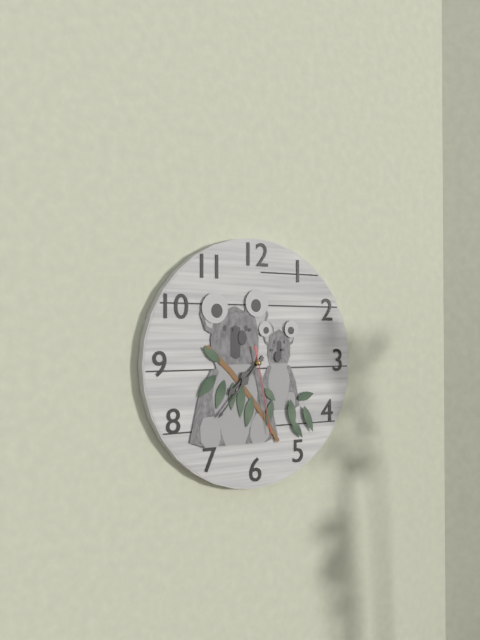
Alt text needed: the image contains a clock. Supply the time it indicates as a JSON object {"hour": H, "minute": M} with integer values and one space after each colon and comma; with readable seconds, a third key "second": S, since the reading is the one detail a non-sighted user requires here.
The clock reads {"hour": 7, "minute": 37, "second": 28}
